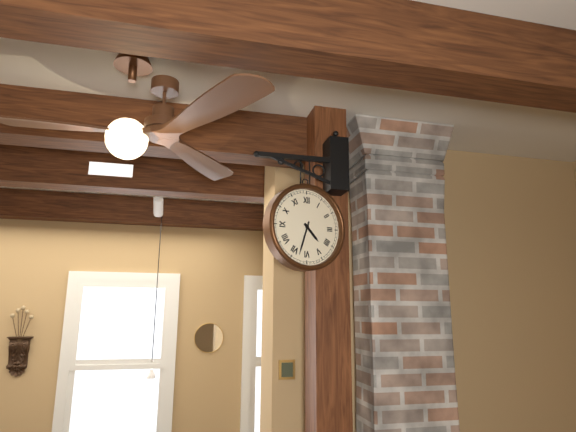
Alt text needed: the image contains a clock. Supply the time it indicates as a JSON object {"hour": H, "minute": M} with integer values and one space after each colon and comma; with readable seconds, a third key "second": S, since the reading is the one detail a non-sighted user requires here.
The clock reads {"hour": 4, "minute": 33}
